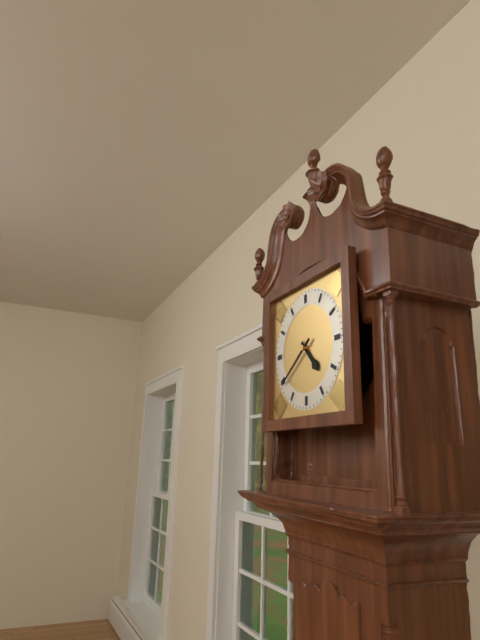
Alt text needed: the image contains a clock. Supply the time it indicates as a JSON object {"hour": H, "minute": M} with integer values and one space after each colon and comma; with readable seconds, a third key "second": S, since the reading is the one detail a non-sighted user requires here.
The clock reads {"hour": 4, "minute": 39}
